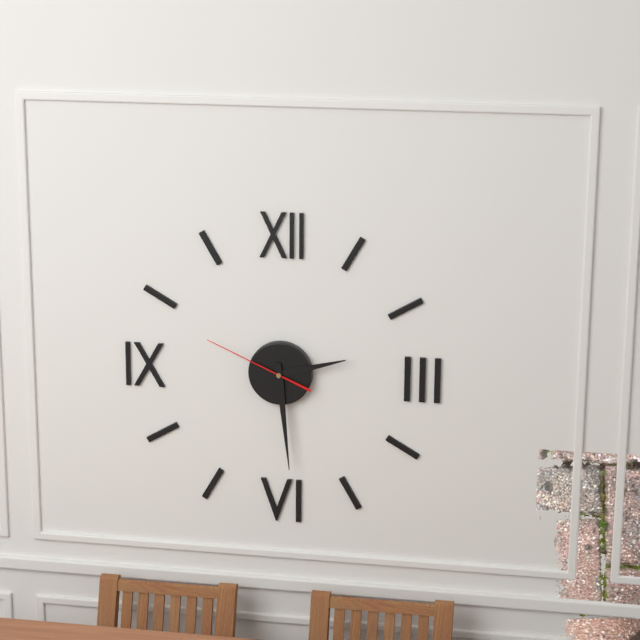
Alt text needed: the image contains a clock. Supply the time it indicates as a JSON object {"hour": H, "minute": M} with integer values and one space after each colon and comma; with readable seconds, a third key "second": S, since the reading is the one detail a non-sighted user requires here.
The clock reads {"hour": 2, "minute": 29, "second": 49}
